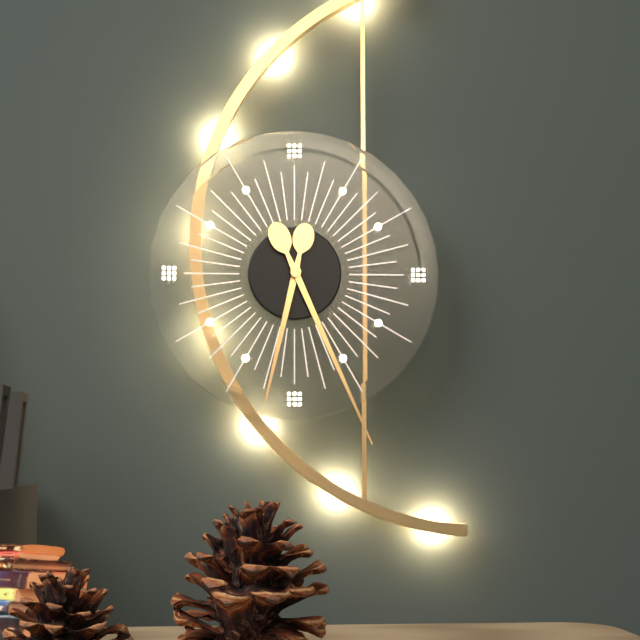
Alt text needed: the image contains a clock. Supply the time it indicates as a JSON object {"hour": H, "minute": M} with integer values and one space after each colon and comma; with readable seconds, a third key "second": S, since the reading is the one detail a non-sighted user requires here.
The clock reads {"hour": 6, "minute": 26}
